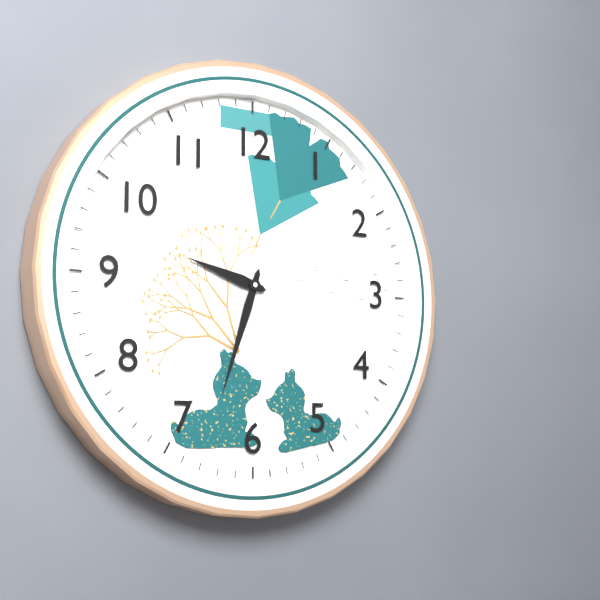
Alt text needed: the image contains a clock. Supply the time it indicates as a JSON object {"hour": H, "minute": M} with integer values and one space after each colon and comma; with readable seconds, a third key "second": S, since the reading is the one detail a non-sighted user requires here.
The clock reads {"hour": 9, "minute": 33}
